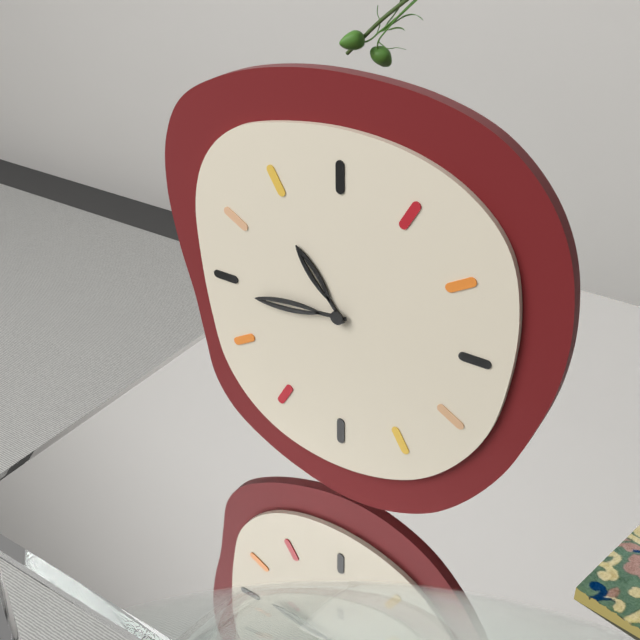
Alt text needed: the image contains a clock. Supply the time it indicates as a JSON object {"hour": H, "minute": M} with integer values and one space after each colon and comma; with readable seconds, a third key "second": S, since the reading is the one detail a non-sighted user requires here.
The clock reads {"hour": 10, "minute": 44}
